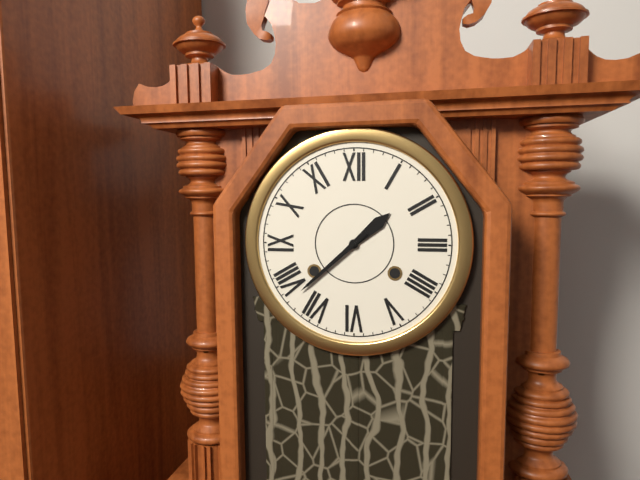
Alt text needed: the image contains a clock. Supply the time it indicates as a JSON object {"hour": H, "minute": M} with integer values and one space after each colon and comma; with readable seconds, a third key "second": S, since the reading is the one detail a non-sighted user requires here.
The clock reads {"hour": 1, "minute": 38}
